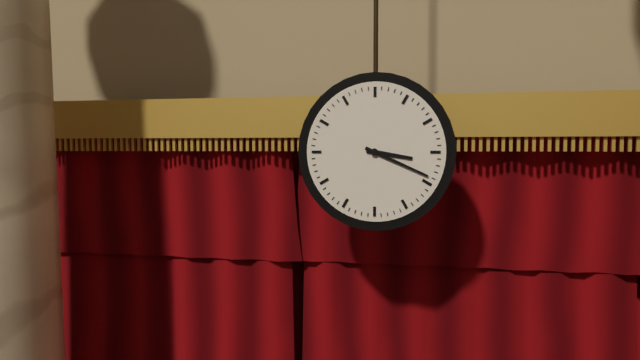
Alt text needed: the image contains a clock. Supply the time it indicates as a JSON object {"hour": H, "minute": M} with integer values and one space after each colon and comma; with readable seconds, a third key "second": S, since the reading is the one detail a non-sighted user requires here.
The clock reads {"hour": 3, "minute": 19}
